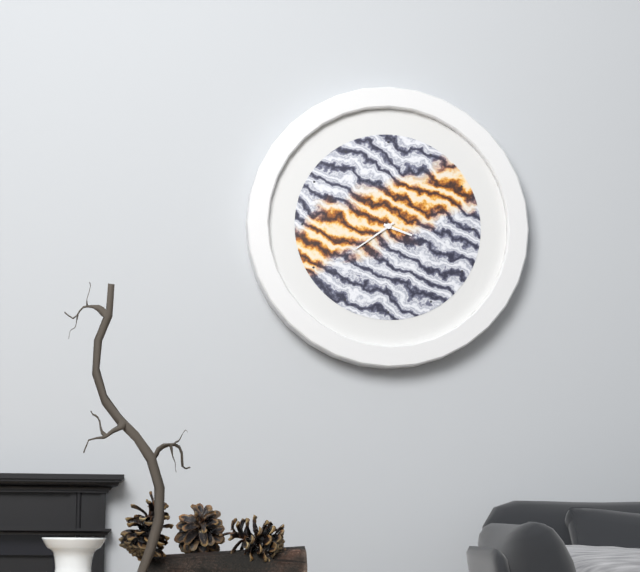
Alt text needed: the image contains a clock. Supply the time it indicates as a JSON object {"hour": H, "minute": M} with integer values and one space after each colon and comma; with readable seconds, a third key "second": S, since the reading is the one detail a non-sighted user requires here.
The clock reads {"hour": 3, "minute": 39}
